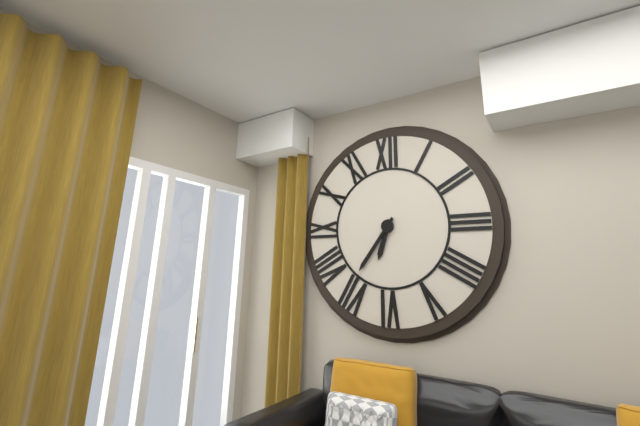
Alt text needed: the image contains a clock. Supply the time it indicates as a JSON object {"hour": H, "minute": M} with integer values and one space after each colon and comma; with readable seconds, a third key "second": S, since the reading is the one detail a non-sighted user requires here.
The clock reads {"hour": 6, "minute": 36}
